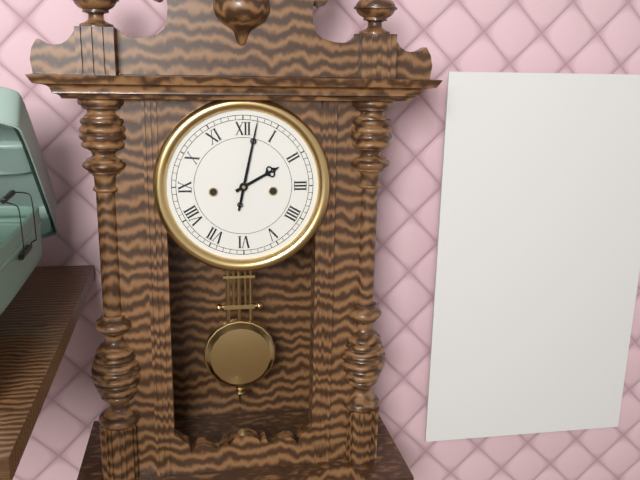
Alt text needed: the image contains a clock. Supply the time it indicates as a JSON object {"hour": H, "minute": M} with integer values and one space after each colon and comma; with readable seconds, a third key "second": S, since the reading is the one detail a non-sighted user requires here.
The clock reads {"hour": 2, "minute": 2}
